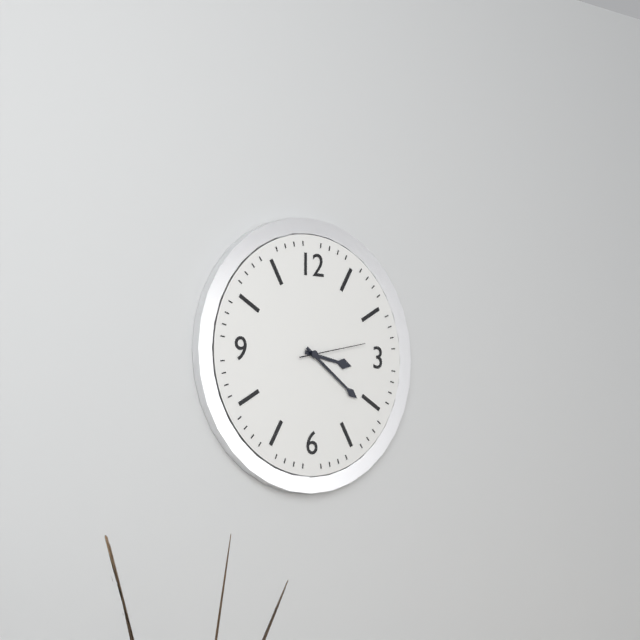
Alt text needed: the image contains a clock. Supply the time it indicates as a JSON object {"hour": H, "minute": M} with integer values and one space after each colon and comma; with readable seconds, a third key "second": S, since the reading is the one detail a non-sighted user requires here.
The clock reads {"hour": 3, "minute": 21, "second": 13}
